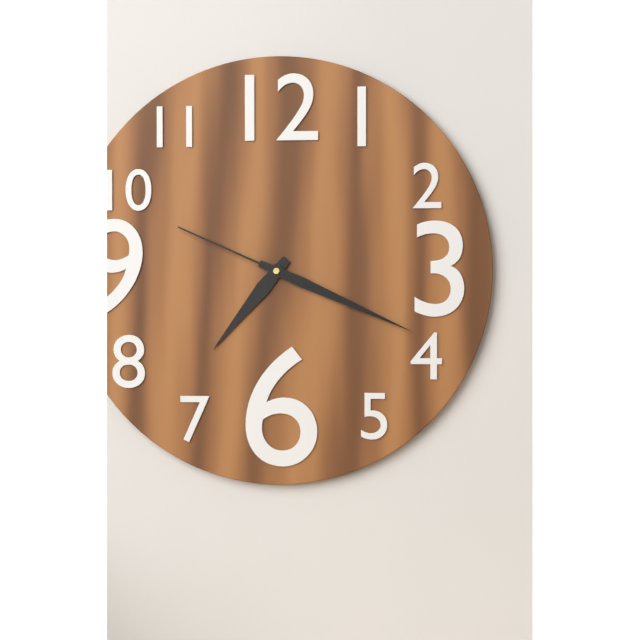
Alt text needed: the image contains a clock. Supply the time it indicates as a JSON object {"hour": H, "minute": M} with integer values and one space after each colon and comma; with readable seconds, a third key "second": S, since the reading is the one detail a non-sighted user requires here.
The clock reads {"hour": 7, "minute": 19, "second": 49}
